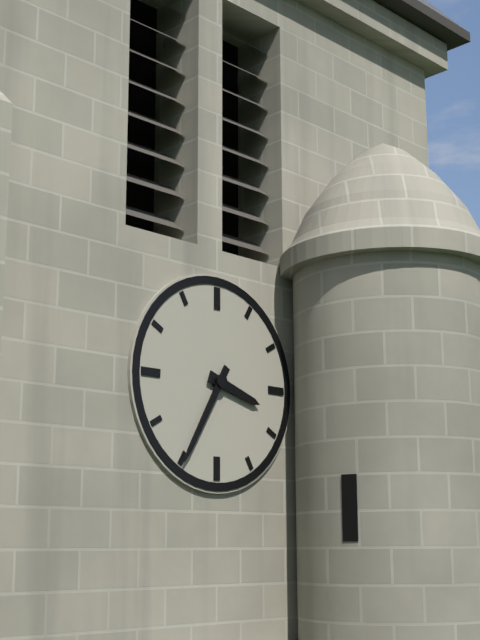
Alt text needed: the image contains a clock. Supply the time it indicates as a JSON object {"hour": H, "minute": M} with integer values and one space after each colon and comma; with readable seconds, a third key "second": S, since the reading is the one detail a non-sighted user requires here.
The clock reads {"hour": 3, "minute": 35}
